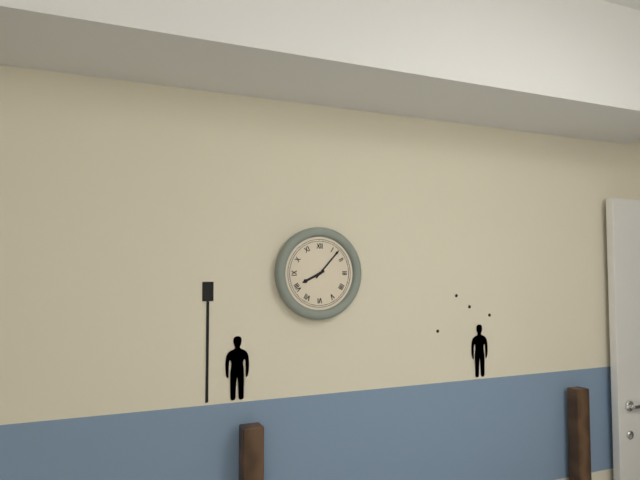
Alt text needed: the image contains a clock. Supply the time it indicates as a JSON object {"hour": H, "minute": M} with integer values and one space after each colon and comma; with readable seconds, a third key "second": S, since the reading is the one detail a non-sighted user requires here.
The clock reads {"hour": 8, "minute": 7}
